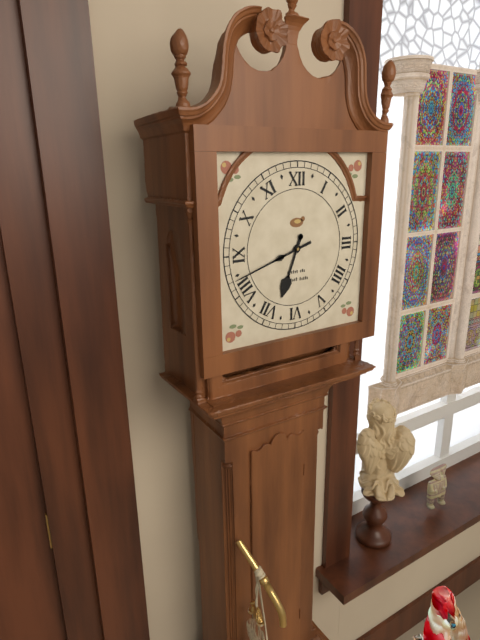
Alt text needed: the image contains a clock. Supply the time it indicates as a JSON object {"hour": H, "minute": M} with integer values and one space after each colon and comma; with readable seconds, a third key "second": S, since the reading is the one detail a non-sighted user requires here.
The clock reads {"hour": 6, "minute": 42}
